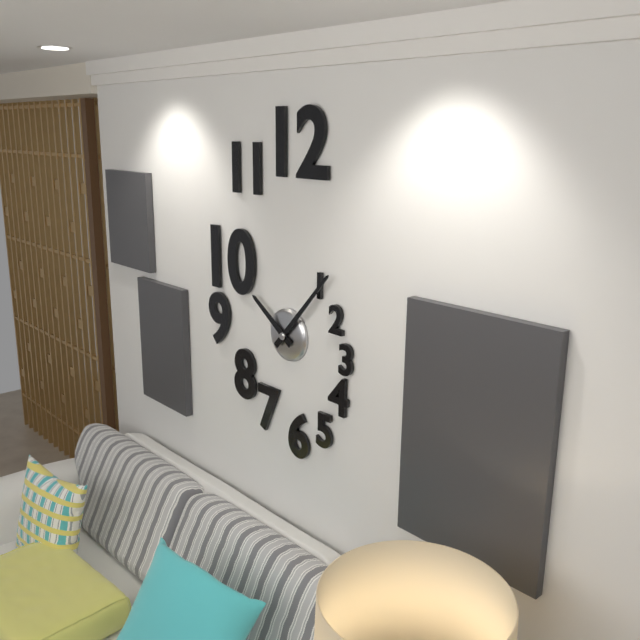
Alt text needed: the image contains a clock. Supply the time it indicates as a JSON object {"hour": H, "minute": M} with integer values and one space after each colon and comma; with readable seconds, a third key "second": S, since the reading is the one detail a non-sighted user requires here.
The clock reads {"hour": 10, "minute": 7}
